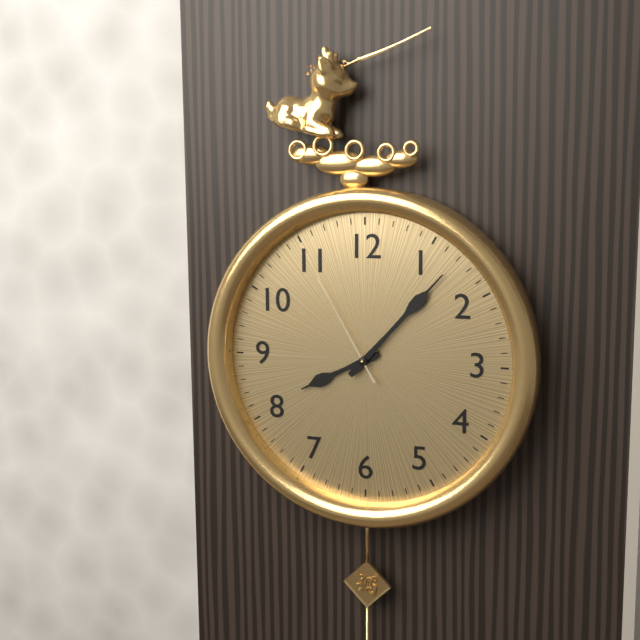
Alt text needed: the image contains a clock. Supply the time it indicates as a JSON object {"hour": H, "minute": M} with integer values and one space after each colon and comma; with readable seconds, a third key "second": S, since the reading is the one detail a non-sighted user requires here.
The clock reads {"hour": 8, "minute": 7, "second": 55}
